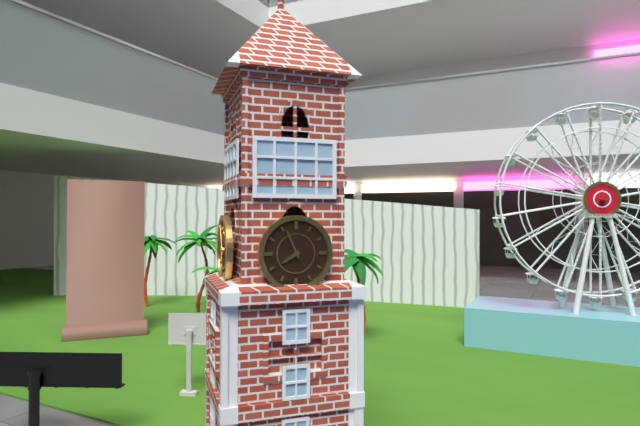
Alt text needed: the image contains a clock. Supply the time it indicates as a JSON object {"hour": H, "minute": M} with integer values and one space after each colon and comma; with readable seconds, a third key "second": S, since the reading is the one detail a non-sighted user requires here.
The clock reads {"hour": 7, "minute": 56}
